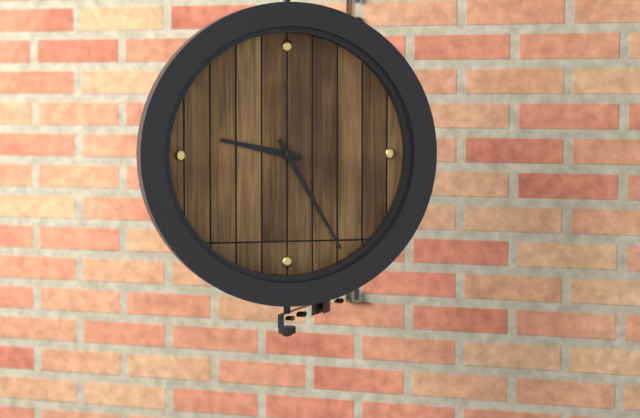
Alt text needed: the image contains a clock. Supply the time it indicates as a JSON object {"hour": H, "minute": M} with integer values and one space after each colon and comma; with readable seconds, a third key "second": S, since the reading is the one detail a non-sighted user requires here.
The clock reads {"hour": 9, "minute": 25}
